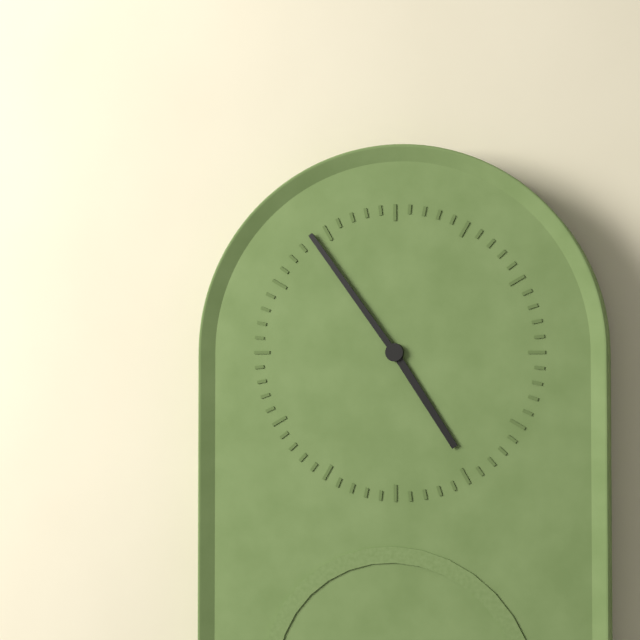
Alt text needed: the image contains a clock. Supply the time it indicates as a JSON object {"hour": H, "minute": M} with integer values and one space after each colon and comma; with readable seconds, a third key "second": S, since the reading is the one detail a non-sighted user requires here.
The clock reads {"hour": 4, "minute": 54}
